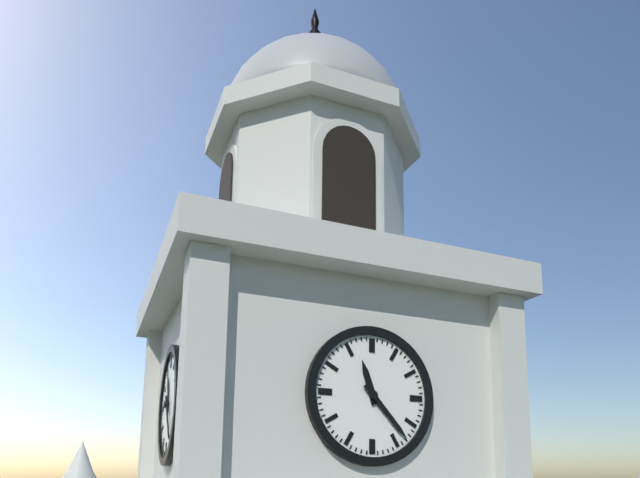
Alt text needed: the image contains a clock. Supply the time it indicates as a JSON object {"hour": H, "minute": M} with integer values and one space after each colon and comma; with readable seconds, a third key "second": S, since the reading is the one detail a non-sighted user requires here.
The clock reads {"hour": 11, "minute": 23}
